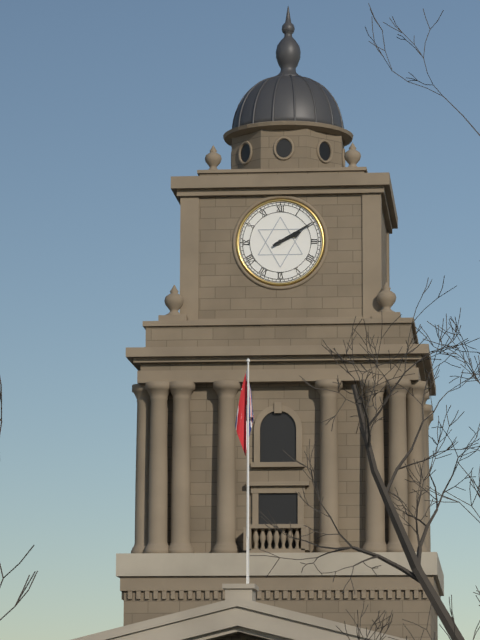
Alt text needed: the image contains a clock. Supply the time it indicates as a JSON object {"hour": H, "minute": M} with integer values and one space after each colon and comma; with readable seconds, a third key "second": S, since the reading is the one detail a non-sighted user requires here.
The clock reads {"hour": 2, "minute": 10}
